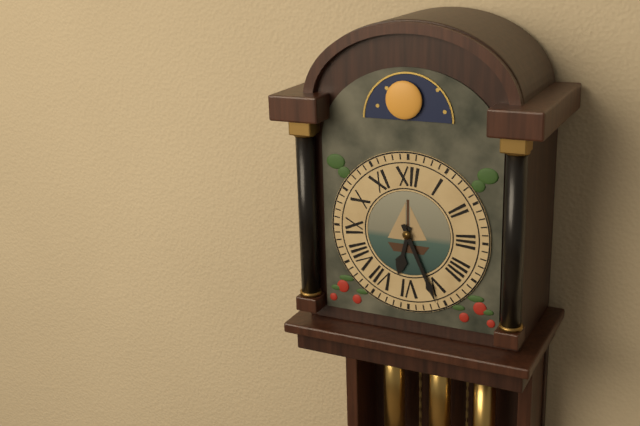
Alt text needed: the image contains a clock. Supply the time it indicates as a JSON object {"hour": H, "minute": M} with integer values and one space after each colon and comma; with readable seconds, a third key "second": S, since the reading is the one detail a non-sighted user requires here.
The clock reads {"hour": 6, "minute": 26}
